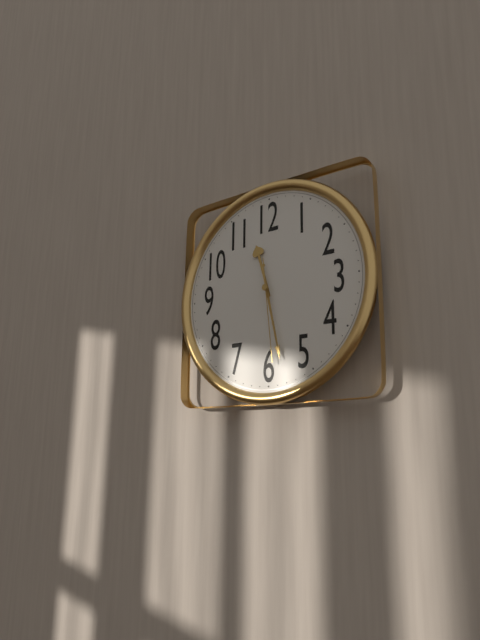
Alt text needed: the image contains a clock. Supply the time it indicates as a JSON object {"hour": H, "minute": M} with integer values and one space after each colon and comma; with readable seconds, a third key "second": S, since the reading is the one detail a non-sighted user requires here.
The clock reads {"hour": 11, "minute": 28, "second": 29}
